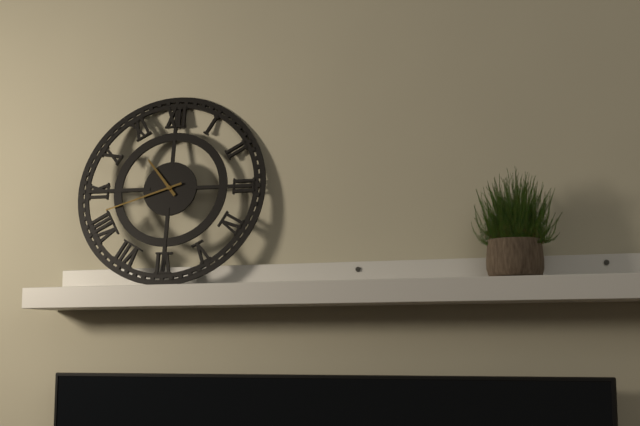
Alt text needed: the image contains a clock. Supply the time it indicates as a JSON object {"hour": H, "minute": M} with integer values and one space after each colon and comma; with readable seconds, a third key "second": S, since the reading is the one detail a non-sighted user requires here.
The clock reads {"hour": 10, "minute": 42}
